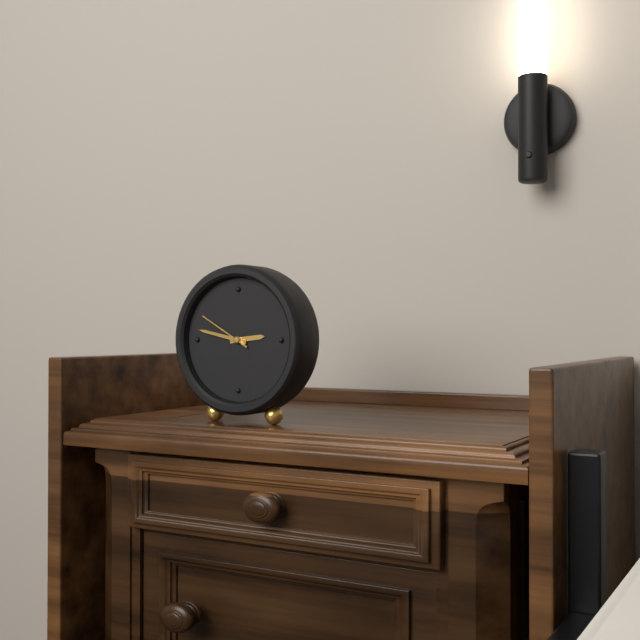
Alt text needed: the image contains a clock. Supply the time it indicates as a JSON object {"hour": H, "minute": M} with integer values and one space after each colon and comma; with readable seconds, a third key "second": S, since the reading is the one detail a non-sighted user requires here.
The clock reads {"hour": 2, "minute": 47, "second": 50}
